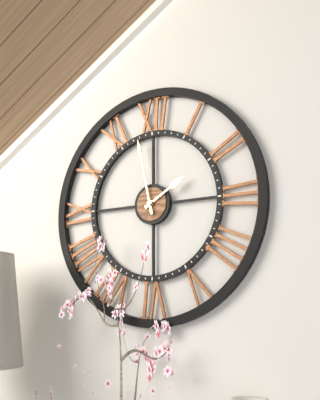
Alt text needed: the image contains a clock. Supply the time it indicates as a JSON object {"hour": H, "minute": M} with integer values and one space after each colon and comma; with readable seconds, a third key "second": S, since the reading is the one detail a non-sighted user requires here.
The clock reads {"hour": 1, "minute": 58}
